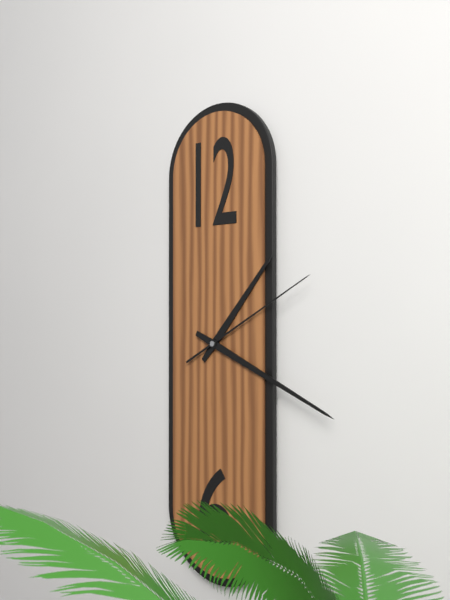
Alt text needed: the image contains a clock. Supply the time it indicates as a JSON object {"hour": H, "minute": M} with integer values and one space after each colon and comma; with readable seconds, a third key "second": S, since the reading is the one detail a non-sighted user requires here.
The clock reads {"hour": 1, "minute": 19, "second": 10}
